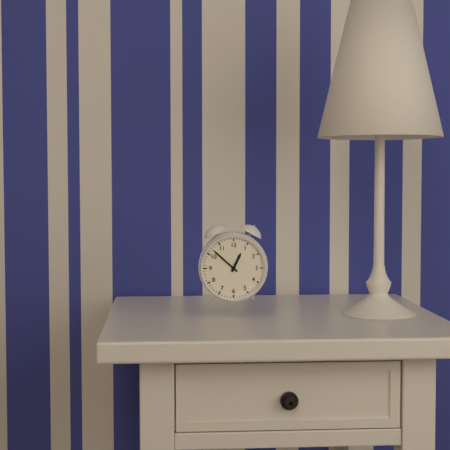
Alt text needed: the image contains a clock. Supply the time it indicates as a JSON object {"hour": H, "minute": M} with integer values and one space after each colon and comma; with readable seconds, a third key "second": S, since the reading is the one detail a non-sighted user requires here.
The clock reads {"hour": 12, "minute": 52}
